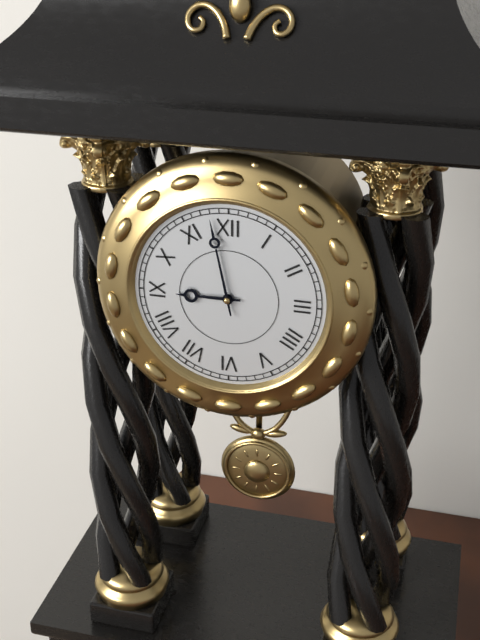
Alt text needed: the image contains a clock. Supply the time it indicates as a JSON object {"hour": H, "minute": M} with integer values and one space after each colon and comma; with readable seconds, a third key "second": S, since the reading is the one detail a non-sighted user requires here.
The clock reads {"hour": 8, "minute": 58}
